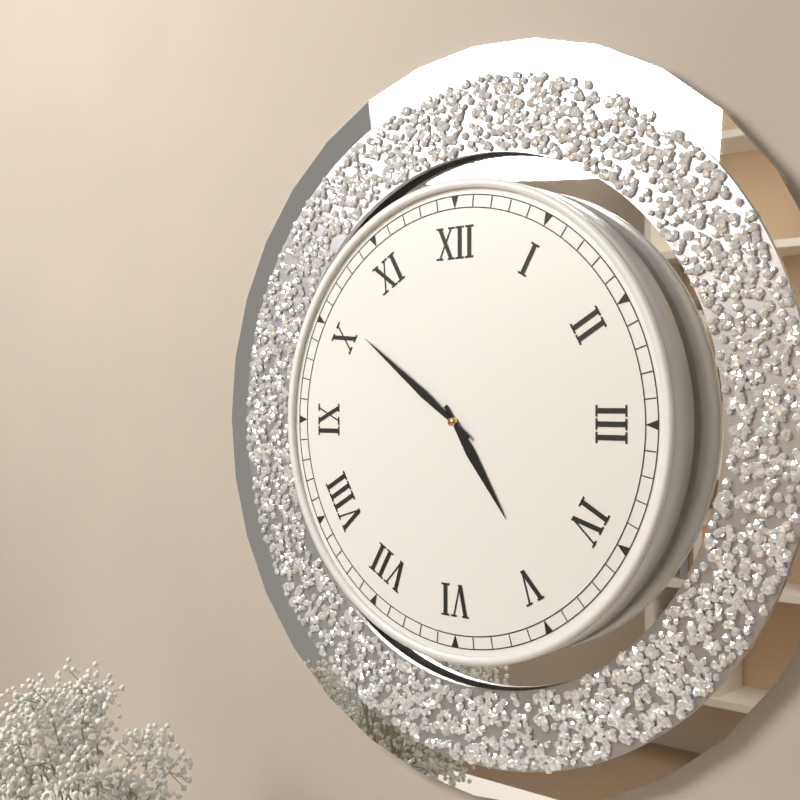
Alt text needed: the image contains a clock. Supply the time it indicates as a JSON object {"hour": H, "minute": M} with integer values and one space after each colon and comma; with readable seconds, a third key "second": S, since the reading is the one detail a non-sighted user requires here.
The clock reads {"hour": 4, "minute": 51}
